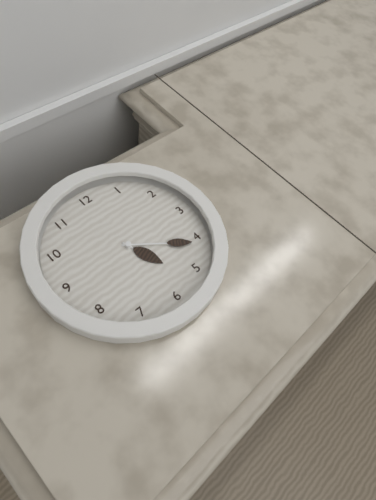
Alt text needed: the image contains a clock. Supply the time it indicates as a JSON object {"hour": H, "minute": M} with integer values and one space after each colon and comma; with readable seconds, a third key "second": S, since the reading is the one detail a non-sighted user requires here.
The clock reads {"hour": 5, "minute": 21}
